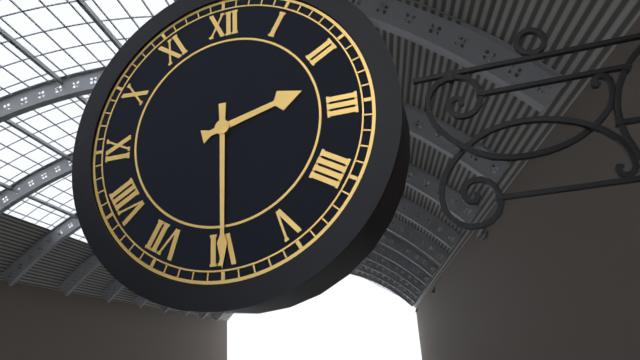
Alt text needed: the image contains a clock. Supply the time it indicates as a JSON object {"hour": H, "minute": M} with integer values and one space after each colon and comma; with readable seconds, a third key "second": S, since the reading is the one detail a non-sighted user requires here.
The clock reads {"hour": 2, "minute": 30}
